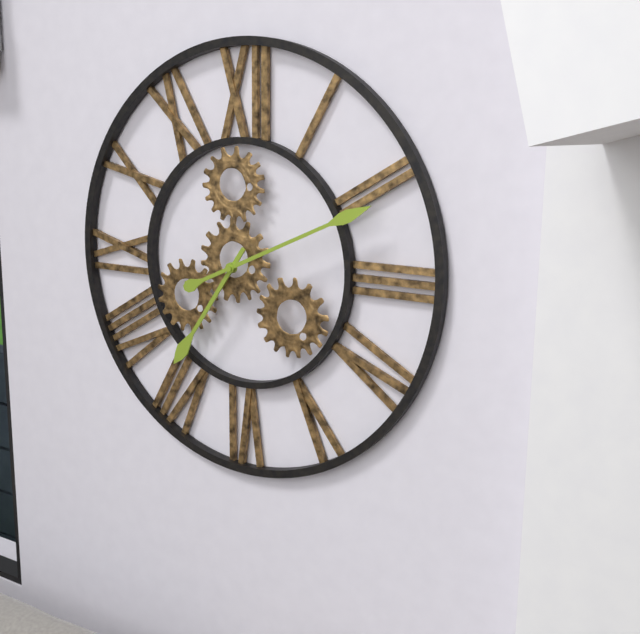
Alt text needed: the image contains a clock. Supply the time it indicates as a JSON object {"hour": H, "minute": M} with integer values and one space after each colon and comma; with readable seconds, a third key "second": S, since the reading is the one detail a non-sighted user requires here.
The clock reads {"hour": 7, "minute": 11}
